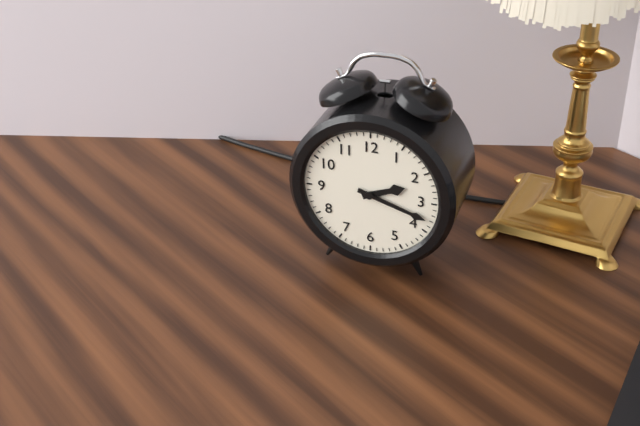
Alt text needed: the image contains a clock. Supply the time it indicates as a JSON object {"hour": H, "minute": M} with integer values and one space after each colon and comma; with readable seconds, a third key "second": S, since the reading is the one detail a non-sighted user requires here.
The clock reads {"hour": 2, "minute": 18}
